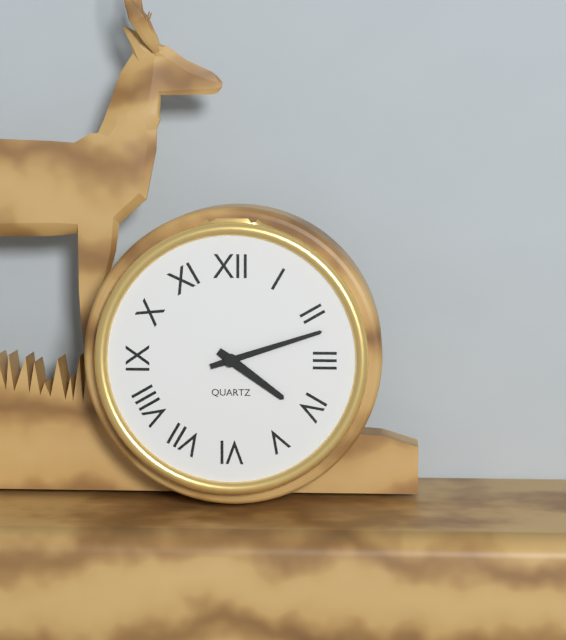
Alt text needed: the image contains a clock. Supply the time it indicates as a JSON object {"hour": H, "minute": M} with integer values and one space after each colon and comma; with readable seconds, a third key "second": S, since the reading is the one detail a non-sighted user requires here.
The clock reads {"hour": 4, "minute": 12}
